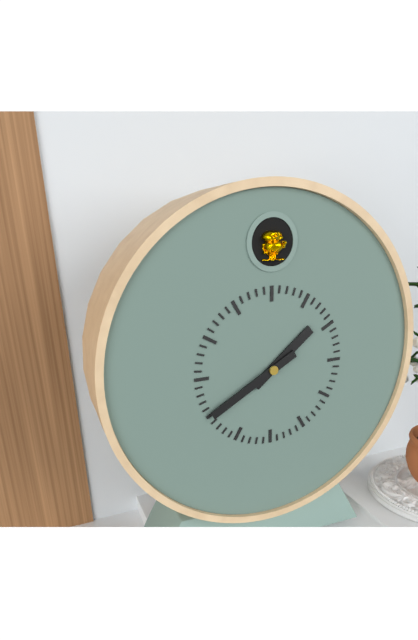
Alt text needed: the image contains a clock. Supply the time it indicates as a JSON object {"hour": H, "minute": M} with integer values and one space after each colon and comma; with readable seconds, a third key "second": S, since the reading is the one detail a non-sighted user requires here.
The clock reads {"hour": 1, "minute": 40}
